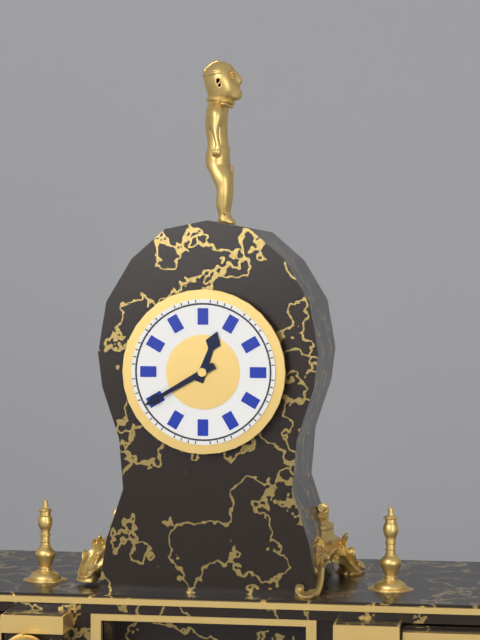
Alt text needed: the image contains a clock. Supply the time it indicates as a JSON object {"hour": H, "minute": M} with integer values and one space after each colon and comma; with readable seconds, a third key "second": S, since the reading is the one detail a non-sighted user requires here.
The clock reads {"hour": 12, "minute": 40}
